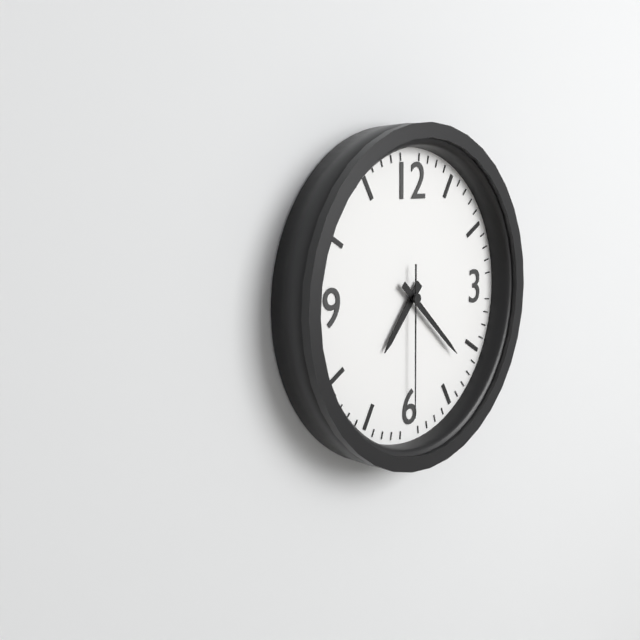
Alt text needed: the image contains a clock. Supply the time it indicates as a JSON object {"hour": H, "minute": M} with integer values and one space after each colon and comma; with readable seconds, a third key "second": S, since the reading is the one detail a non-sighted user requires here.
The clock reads {"hour": 7, "minute": 22, "second": 30}
